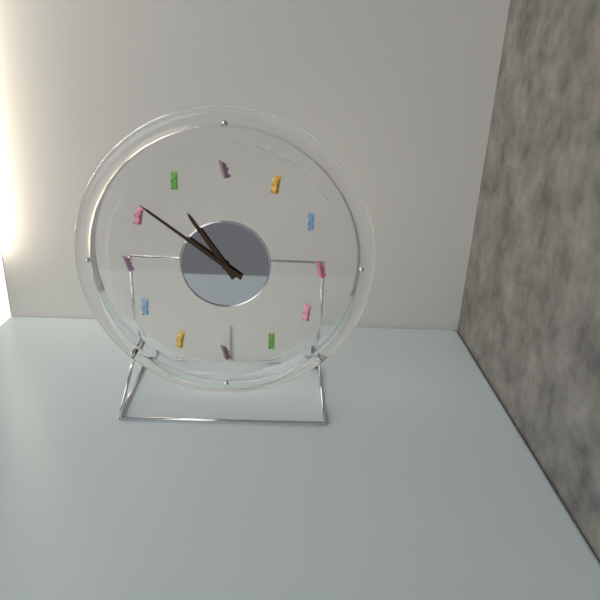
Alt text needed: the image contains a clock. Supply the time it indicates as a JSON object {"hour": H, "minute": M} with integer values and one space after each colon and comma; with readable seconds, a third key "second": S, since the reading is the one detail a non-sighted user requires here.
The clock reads {"hour": 10, "minute": 51}
